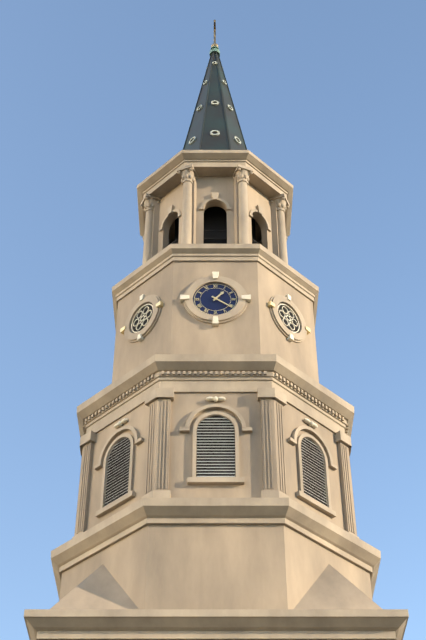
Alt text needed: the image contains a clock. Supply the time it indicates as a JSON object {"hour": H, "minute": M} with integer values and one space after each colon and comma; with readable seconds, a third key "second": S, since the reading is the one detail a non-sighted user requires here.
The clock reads {"hour": 1, "minute": 21}
